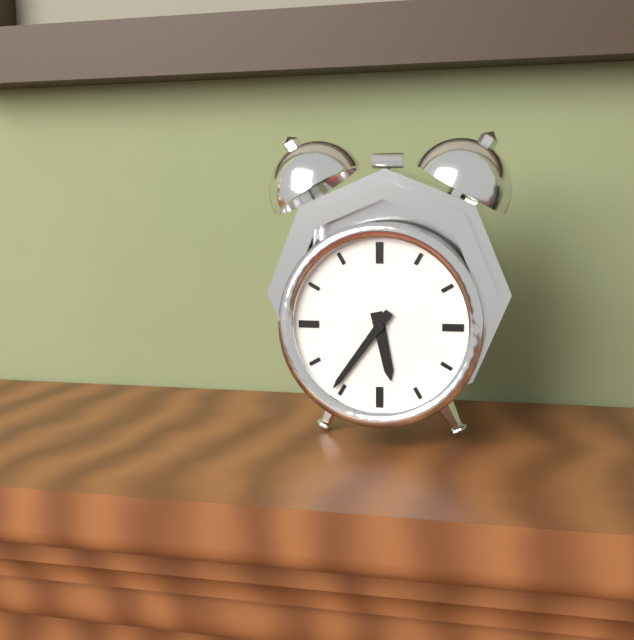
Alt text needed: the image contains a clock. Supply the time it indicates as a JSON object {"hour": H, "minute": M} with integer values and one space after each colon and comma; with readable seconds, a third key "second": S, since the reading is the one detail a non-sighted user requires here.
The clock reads {"hour": 5, "minute": 36}
